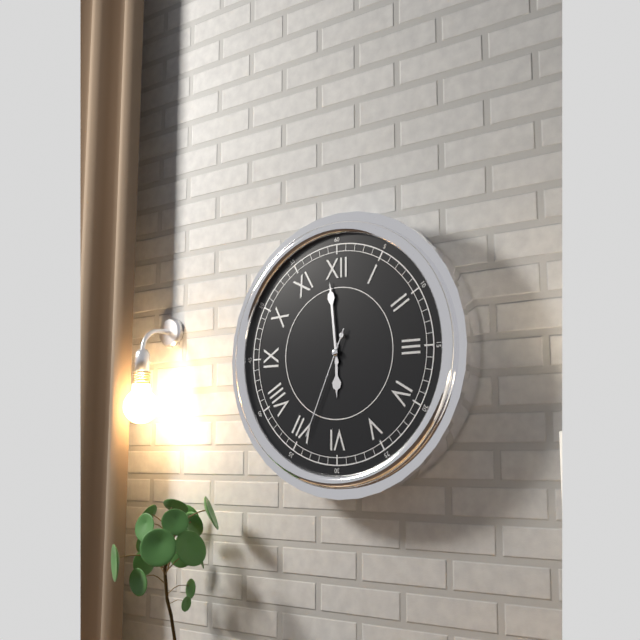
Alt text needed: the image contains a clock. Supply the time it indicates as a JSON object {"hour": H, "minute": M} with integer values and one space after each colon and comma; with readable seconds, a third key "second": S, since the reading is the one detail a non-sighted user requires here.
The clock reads {"hour": 5, "minute": 59, "second": 34}
